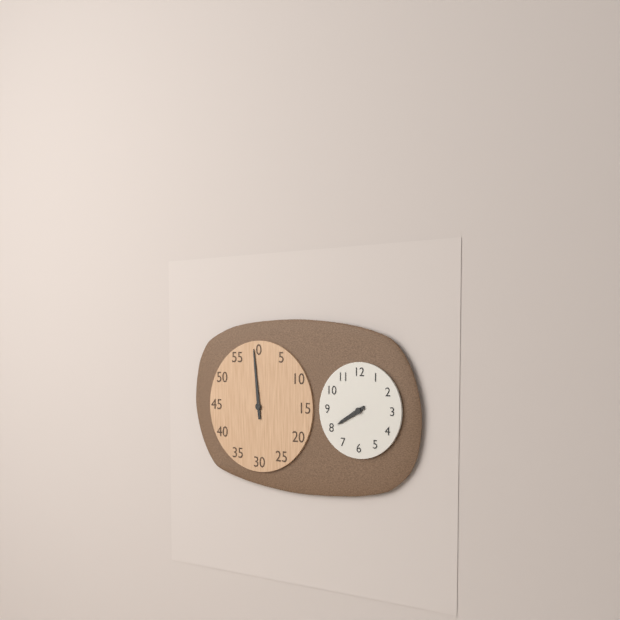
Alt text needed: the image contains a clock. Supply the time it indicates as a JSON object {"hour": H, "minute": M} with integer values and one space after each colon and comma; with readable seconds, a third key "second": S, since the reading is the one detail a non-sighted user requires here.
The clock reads {"hour": 7, "minute": 59}
